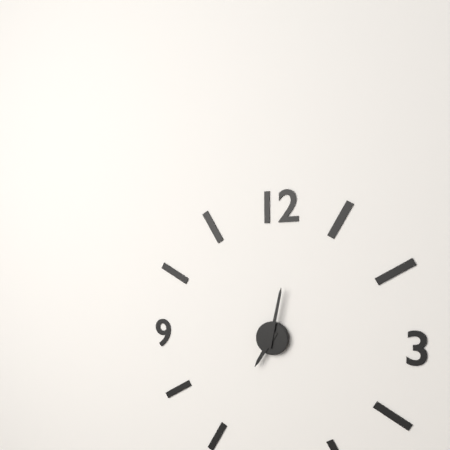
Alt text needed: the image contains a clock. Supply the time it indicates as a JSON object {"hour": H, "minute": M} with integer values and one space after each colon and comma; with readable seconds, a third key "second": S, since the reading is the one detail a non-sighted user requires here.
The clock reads {"hour": 7, "minute": 2}
